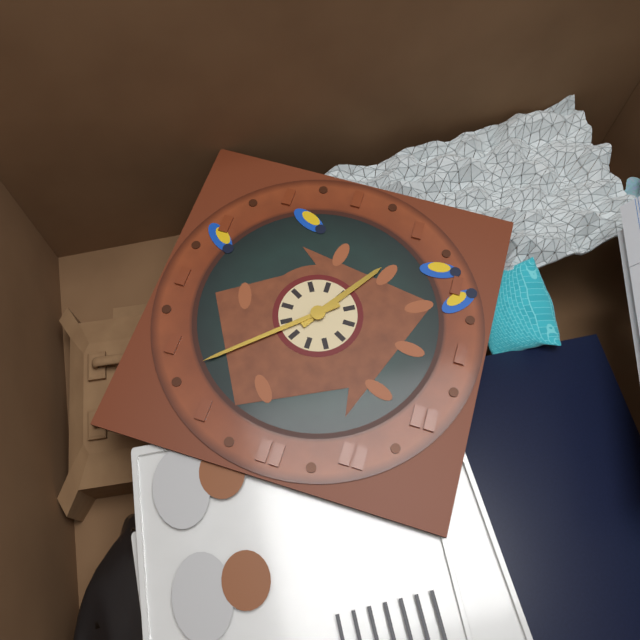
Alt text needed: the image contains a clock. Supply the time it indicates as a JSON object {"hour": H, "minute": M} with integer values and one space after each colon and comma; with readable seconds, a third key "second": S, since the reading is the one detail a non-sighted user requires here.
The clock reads {"hour": 7, "minute": 8}
